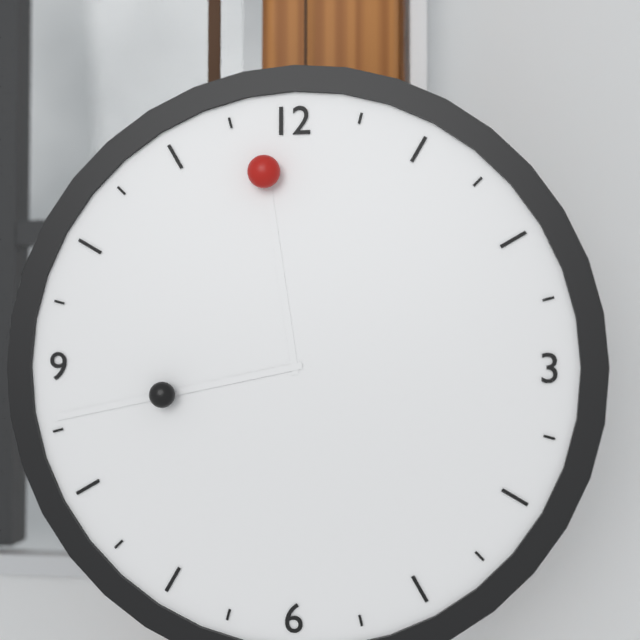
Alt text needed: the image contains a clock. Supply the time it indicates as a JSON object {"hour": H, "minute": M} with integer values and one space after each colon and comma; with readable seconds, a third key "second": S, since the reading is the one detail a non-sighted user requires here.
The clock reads {"hour": 11, "minute": 43}
